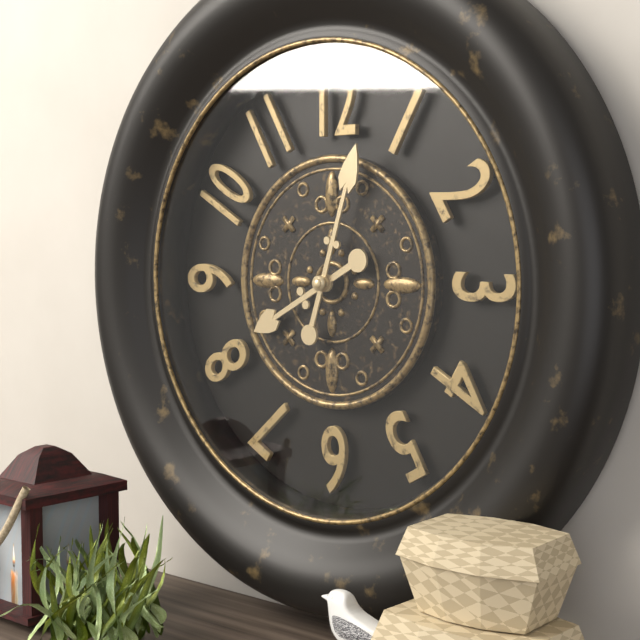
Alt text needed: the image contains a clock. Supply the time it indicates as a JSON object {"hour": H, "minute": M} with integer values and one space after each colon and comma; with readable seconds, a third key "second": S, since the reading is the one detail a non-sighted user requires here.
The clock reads {"hour": 8, "minute": 3}
